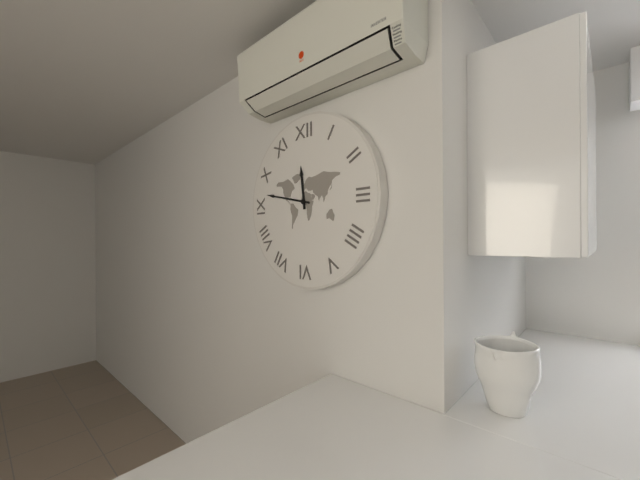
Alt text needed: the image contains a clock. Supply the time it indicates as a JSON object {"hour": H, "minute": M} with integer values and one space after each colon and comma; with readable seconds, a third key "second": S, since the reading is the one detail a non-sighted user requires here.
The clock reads {"hour": 11, "minute": 47}
